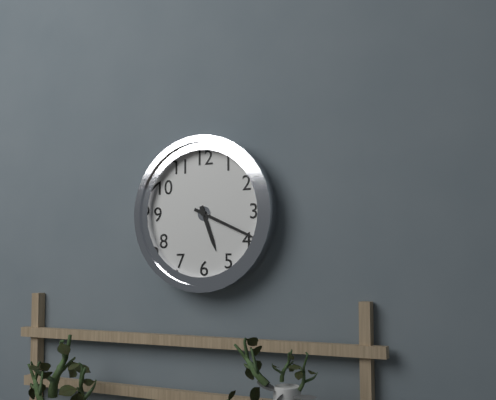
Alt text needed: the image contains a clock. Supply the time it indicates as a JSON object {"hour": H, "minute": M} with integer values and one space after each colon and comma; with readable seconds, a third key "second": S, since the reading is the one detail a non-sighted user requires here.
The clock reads {"hour": 5, "minute": 19}
